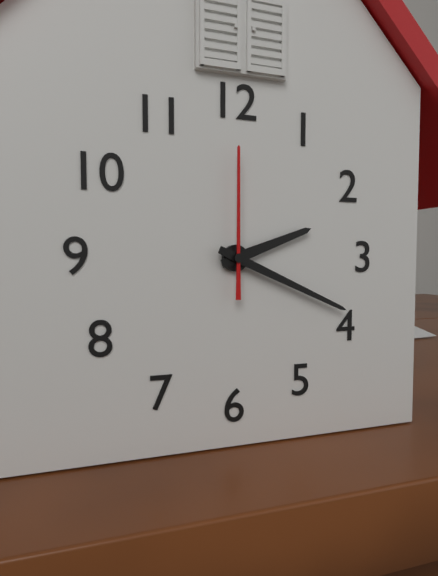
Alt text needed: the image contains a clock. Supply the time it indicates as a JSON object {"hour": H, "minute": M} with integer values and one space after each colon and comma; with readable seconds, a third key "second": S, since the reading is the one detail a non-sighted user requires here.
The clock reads {"hour": 2, "minute": 19, "second": 0}
